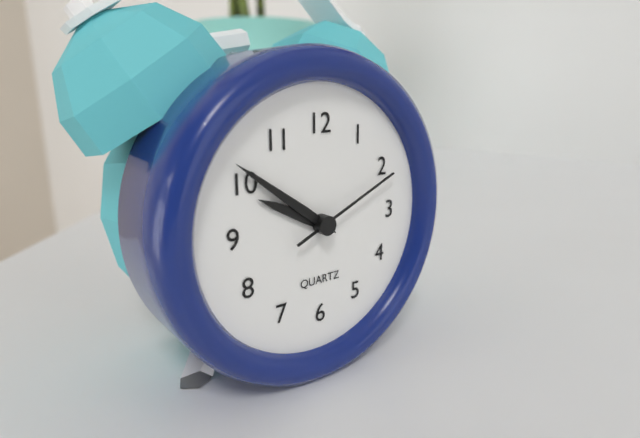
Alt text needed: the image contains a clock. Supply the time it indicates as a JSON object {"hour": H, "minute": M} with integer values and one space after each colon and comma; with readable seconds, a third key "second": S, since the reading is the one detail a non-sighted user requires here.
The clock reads {"hour": 9, "minute": 51, "second": 11}
